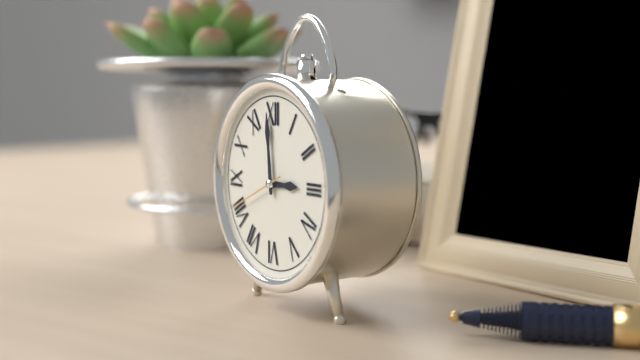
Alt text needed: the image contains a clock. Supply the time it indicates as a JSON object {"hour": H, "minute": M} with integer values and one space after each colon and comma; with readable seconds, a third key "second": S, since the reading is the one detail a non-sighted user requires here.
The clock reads {"hour": 2, "minute": 59, "second": 41}
